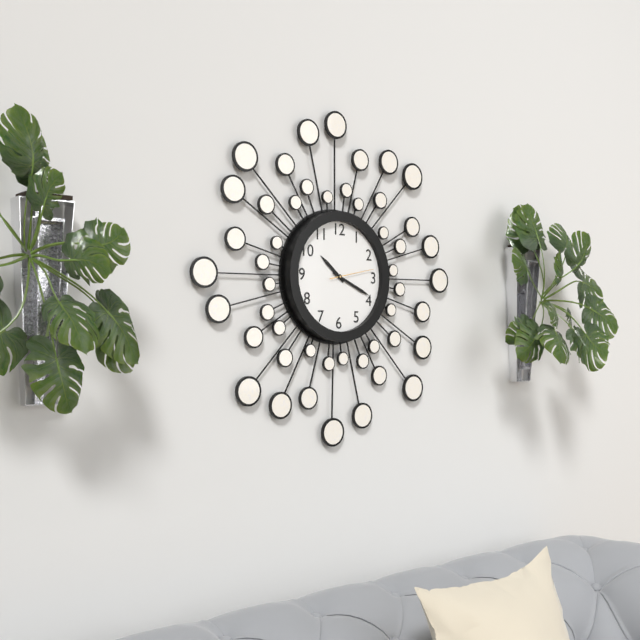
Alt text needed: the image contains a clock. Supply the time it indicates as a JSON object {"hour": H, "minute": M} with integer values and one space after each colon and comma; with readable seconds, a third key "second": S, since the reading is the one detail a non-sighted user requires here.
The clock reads {"hour": 10, "minute": 19}
